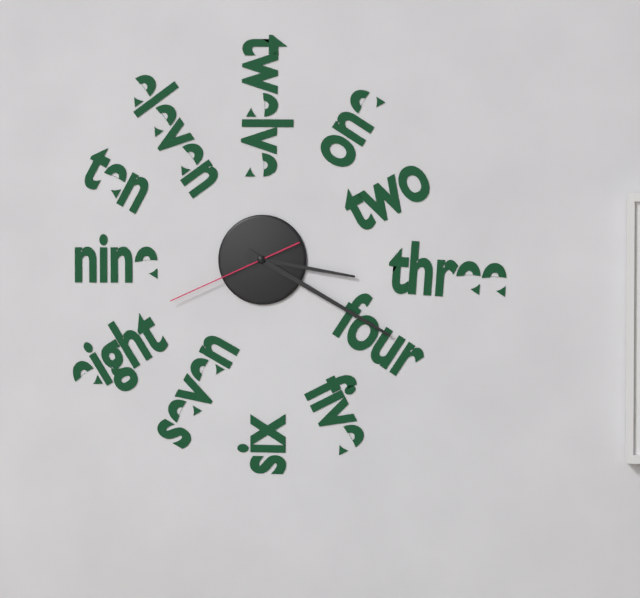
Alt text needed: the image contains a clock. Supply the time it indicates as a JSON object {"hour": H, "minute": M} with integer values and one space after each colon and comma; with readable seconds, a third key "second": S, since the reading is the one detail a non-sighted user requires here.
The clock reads {"hour": 3, "minute": 20, "second": 41}
